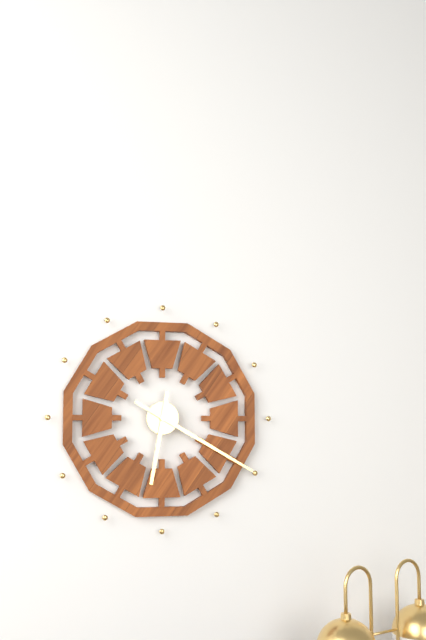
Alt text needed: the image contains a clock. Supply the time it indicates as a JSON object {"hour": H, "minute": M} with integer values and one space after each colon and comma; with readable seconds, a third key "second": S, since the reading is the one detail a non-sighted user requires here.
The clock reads {"hour": 6, "minute": 20}
